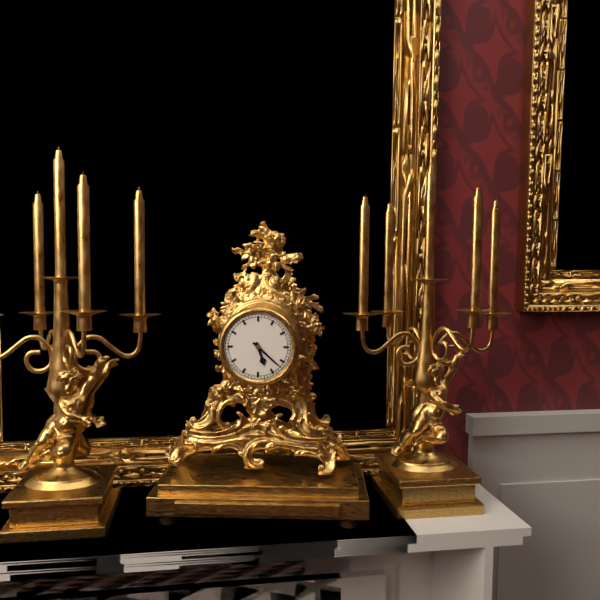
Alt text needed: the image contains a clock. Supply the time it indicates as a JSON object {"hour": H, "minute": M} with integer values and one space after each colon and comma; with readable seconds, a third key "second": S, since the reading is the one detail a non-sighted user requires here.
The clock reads {"hour": 5, "minute": 22}
